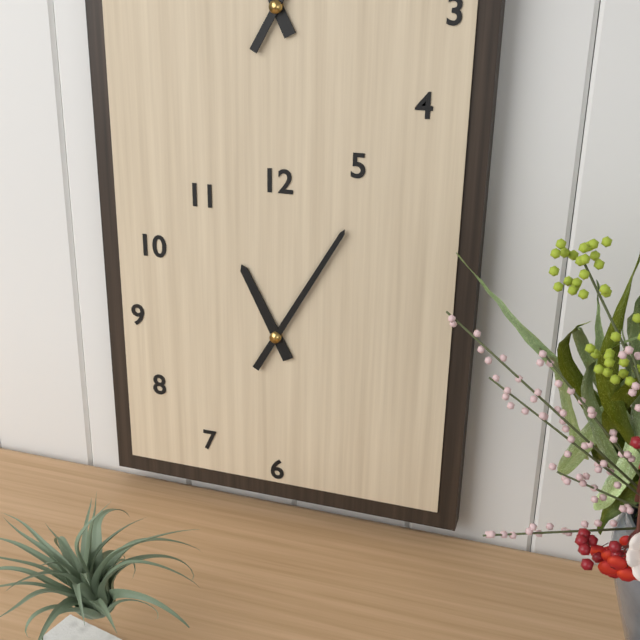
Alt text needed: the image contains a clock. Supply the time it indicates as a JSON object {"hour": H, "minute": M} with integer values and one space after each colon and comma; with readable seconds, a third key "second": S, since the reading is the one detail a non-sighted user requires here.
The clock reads {"hour": 11, "minute": 5}
